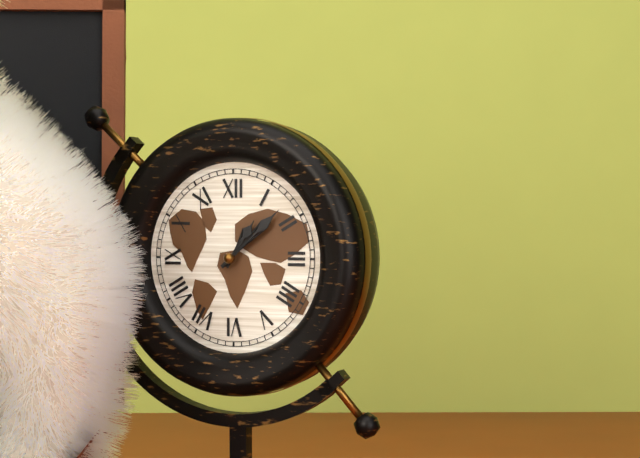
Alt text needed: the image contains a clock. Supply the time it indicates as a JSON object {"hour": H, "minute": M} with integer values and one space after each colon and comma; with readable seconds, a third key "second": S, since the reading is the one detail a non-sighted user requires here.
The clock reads {"hour": 1, "minute": 8}
